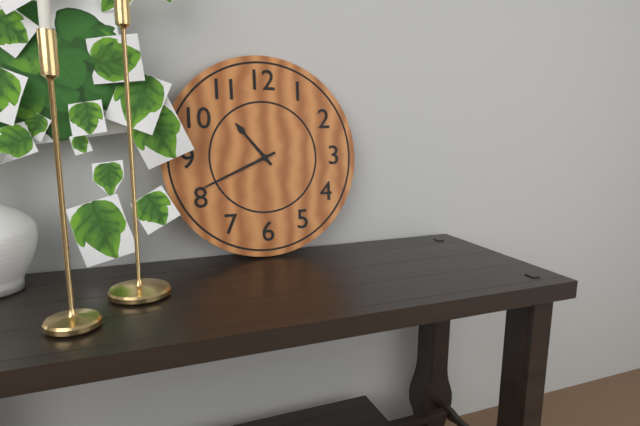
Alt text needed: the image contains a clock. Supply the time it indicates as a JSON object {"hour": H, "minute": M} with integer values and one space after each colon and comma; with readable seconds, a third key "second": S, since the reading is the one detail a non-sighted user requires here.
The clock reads {"hour": 10, "minute": 41}
